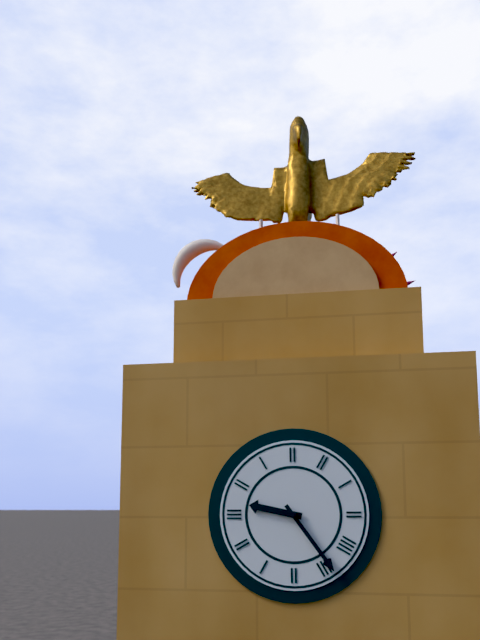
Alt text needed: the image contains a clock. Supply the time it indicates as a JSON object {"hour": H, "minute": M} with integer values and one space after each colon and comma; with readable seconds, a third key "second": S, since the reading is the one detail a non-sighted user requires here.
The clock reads {"hour": 9, "minute": 24}
